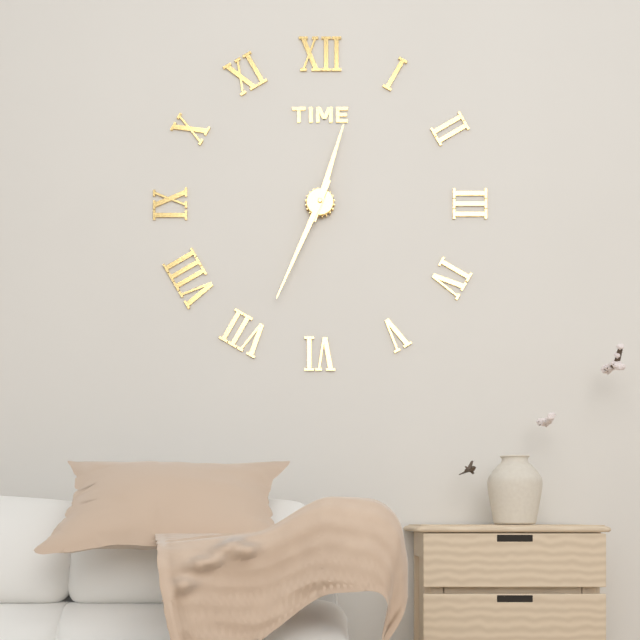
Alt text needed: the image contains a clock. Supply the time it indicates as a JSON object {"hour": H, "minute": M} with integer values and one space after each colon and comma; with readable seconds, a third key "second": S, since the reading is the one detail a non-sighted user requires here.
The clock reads {"hour": 12, "minute": 34}
